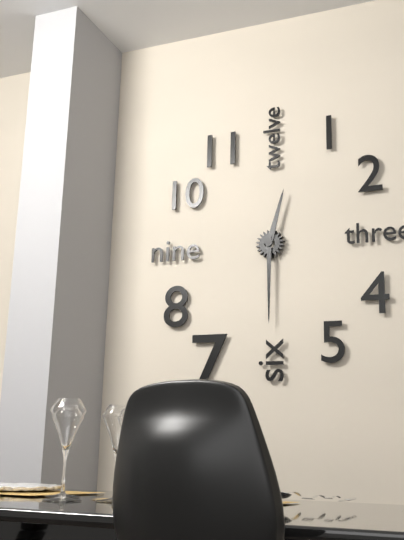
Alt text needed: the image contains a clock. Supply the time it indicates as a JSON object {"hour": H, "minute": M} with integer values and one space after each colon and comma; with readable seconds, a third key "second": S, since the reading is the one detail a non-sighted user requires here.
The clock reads {"hour": 12, "minute": 30}
